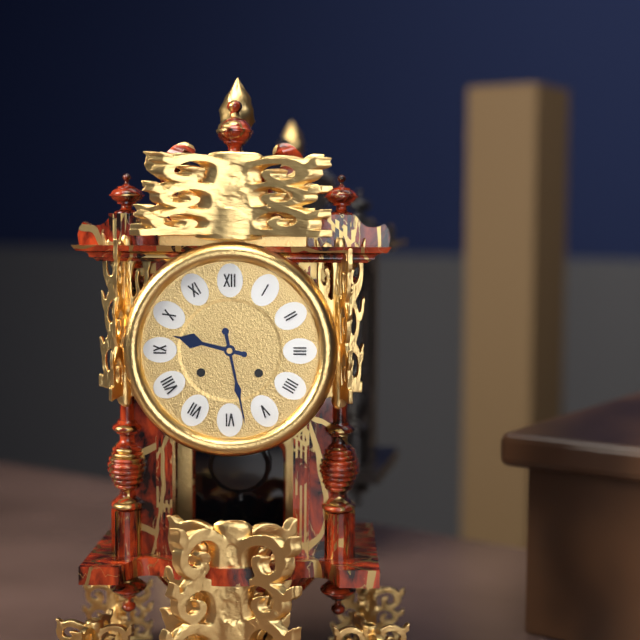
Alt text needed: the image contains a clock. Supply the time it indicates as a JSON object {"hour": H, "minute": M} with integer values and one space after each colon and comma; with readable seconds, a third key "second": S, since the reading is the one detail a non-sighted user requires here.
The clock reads {"hour": 9, "minute": 28}
